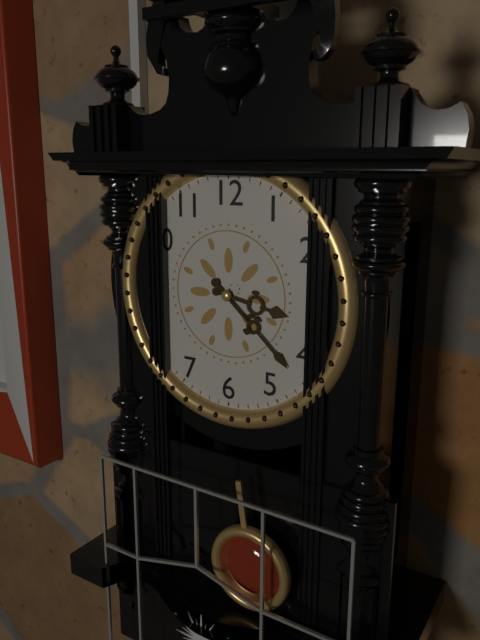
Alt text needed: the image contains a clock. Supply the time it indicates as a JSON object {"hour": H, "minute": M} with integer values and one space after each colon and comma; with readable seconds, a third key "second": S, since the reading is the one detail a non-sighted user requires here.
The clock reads {"hour": 3, "minute": 22}
